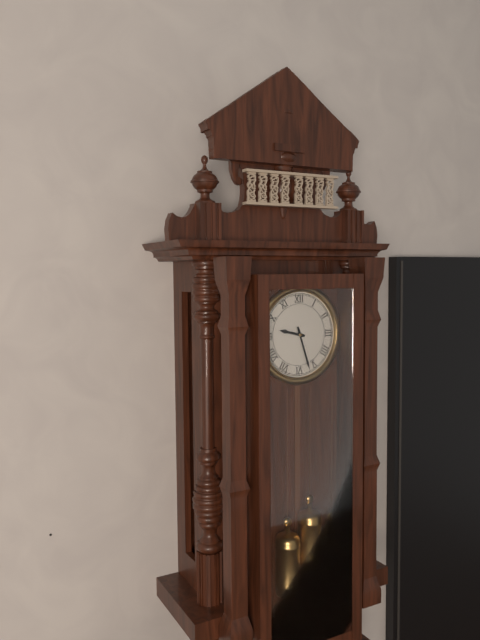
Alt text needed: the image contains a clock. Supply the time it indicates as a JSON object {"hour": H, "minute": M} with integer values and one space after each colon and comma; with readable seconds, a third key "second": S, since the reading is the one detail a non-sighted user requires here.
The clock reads {"hour": 9, "minute": 27}
